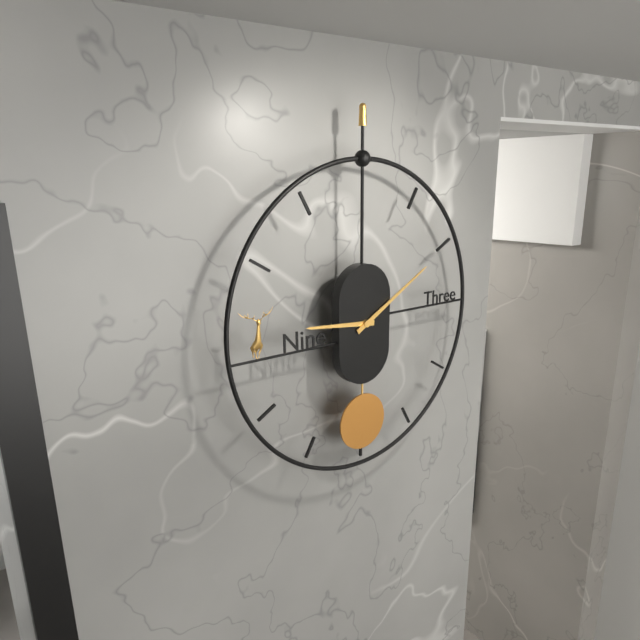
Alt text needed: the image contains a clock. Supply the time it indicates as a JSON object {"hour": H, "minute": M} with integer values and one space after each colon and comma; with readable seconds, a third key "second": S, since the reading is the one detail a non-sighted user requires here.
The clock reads {"hour": 9, "minute": 10}
